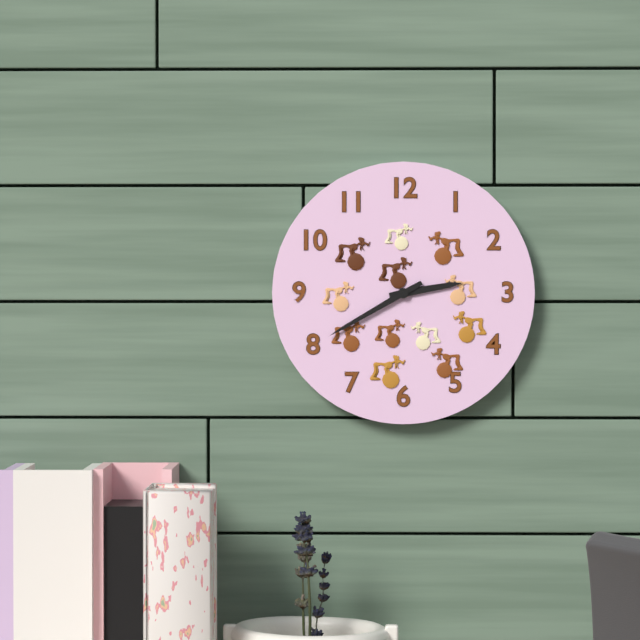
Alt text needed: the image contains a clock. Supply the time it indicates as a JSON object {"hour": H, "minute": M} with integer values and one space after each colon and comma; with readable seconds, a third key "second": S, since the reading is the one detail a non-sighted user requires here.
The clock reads {"hour": 2, "minute": 40}
